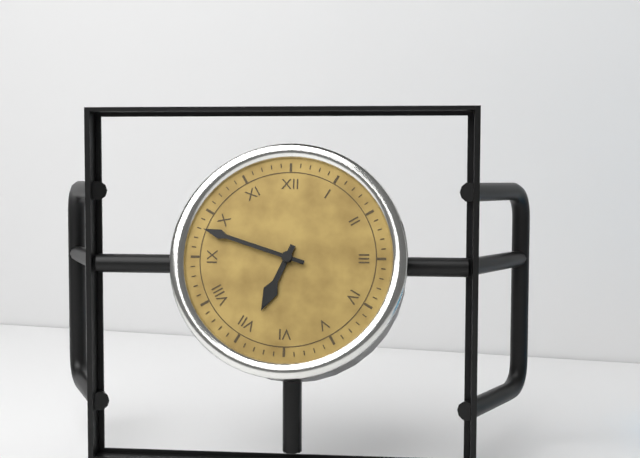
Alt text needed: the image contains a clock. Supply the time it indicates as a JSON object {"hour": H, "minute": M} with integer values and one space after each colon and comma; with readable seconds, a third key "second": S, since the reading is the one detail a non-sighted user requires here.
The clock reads {"hour": 6, "minute": 48}
